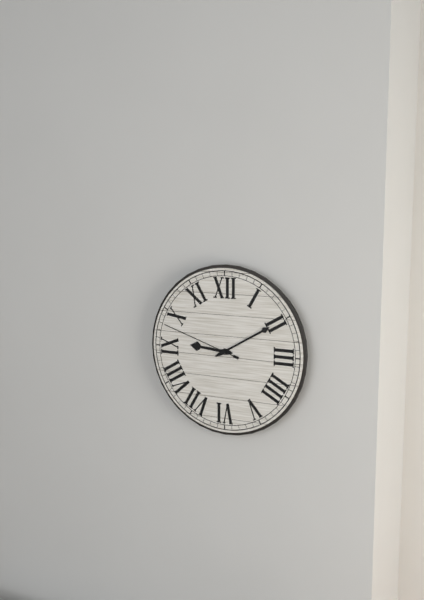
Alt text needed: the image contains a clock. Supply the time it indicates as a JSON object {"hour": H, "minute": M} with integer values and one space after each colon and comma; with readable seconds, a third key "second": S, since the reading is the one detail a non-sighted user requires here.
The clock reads {"hour": 9, "minute": 10, "second": 48}
